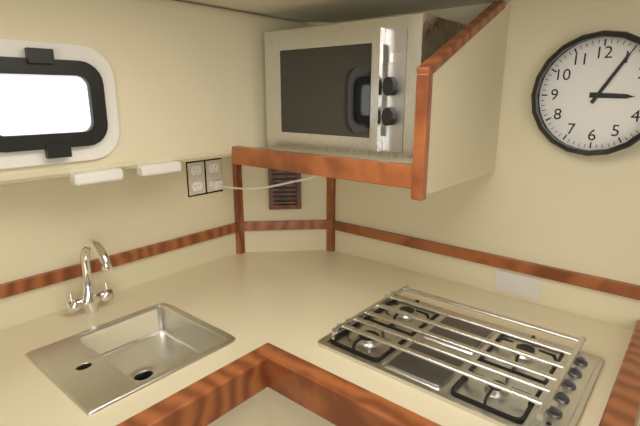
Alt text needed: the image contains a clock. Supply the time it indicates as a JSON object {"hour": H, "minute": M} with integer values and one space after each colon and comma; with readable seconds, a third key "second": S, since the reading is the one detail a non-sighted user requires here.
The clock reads {"hour": 3, "minute": 5}
